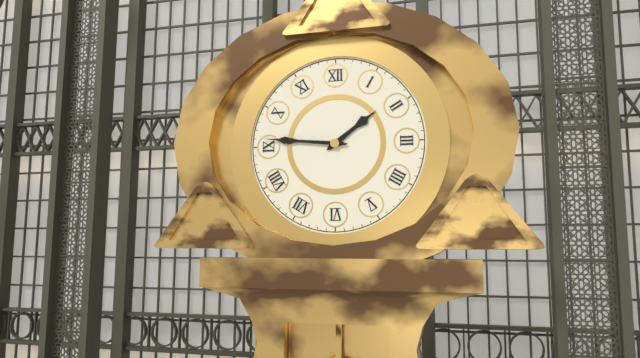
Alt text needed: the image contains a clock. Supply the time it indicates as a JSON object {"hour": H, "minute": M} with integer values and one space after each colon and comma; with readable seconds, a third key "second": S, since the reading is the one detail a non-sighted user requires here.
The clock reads {"hour": 1, "minute": 46}
